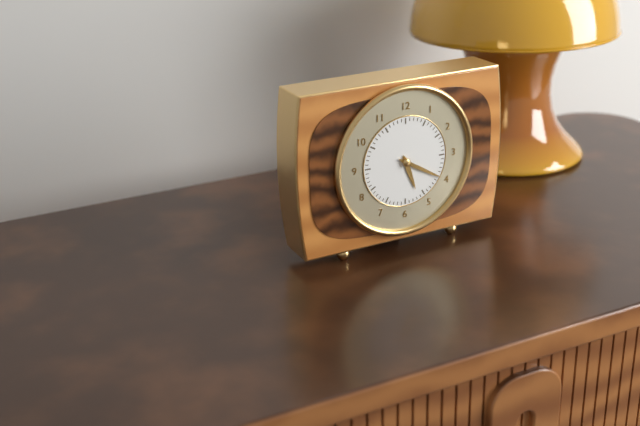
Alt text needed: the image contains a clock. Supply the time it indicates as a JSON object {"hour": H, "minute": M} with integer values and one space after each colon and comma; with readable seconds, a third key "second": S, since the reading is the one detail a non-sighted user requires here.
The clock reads {"hour": 5, "minute": 20}
